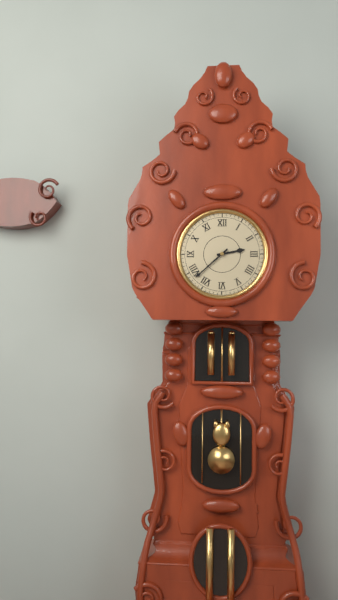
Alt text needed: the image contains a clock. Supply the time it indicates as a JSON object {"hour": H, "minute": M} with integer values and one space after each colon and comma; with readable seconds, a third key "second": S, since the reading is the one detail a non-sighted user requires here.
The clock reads {"hour": 2, "minute": 38}
